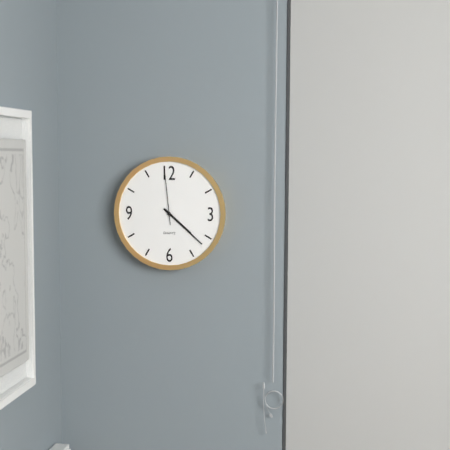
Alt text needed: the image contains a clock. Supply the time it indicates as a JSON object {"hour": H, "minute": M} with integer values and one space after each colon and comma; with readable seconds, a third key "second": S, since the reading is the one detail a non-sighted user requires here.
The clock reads {"hour": 4, "minute": 22, "second": 59}
